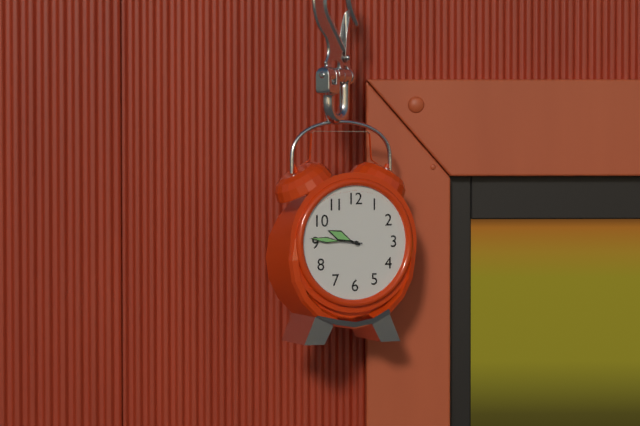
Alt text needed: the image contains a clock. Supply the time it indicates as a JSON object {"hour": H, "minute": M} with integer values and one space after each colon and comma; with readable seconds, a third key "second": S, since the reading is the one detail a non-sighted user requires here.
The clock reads {"hour": 9, "minute": 46}
